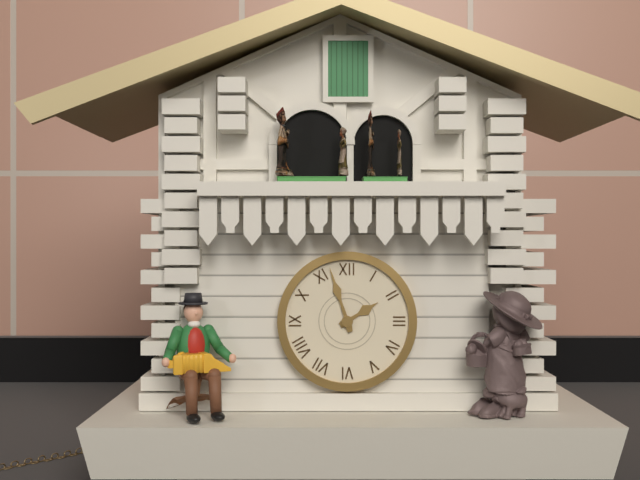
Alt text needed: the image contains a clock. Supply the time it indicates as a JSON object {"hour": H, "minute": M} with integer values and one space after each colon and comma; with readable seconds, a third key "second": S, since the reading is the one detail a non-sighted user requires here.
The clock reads {"hour": 1, "minute": 57}
